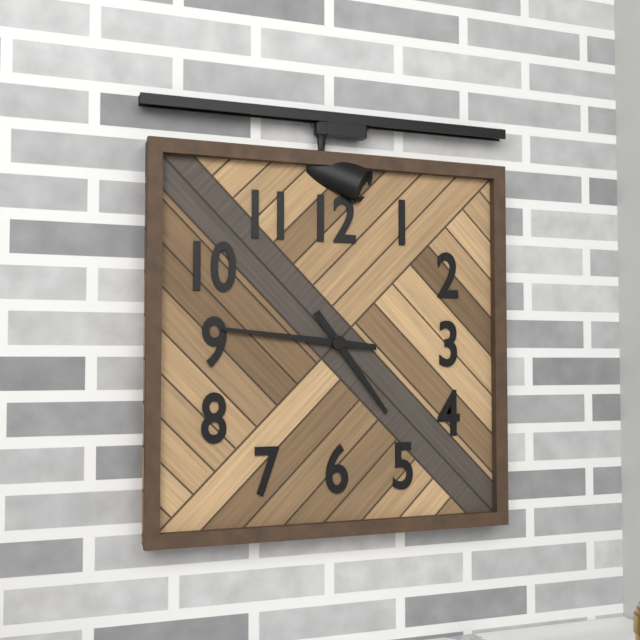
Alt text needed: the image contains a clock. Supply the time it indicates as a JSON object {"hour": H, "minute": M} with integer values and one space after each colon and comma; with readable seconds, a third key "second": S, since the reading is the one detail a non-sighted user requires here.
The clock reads {"hour": 4, "minute": 46}
